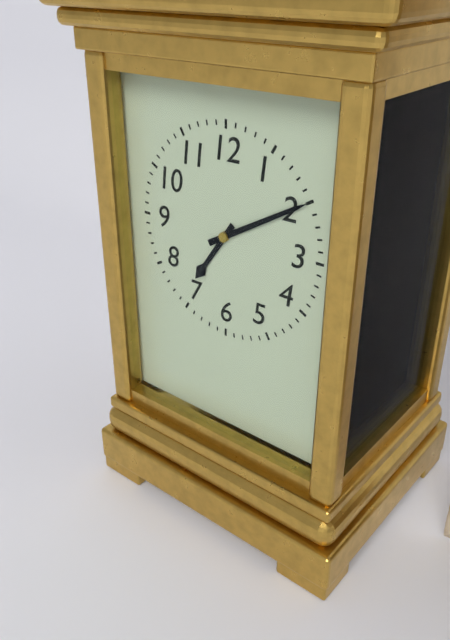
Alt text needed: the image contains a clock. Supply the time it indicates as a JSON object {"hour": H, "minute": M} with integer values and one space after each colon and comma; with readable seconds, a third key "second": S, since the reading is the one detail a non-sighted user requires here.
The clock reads {"hour": 7, "minute": 10}
